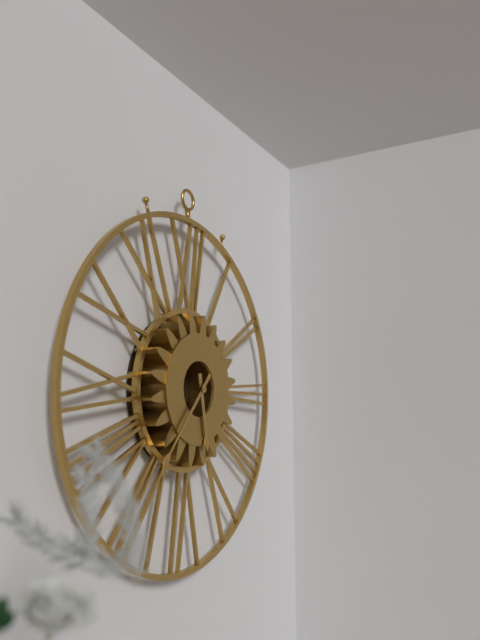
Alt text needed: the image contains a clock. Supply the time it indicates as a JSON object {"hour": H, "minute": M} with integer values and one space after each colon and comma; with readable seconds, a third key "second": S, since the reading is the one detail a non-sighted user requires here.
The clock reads {"hour": 5, "minute": 37}
